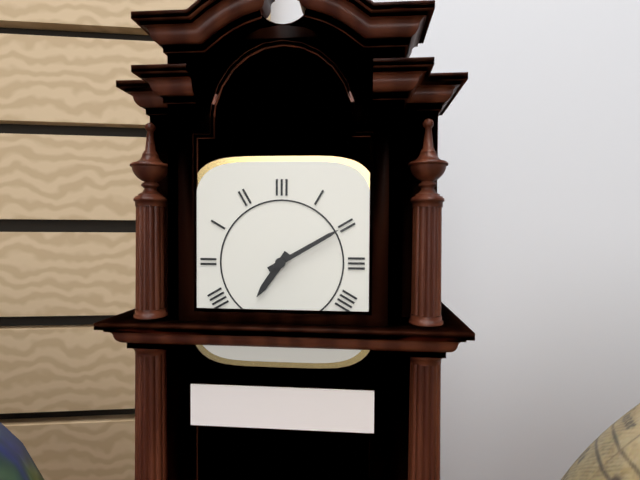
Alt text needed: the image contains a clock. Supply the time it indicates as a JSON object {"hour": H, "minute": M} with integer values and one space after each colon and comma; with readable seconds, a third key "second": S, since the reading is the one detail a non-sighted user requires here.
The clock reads {"hour": 7, "minute": 10}
